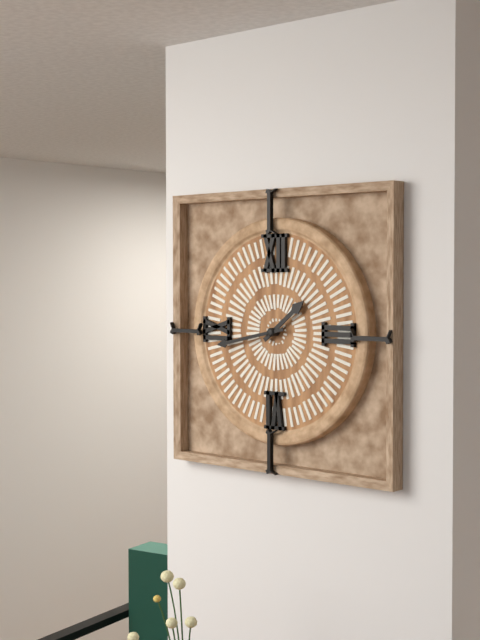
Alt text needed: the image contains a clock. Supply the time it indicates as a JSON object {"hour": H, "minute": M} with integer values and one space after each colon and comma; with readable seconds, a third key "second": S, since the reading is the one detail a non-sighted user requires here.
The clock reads {"hour": 1, "minute": 43}
